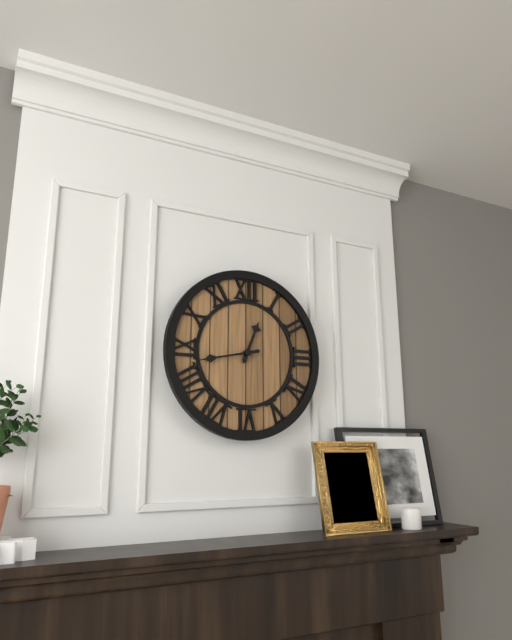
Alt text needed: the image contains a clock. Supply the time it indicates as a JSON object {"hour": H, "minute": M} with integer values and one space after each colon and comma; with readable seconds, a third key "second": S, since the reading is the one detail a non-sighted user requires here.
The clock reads {"hour": 12, "minute": 43}
